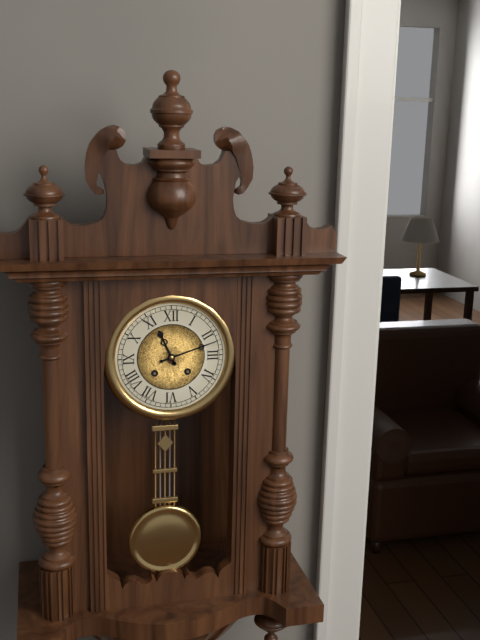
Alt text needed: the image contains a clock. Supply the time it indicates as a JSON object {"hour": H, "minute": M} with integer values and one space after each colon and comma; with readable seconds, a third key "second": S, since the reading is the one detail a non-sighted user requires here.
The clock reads {"hour": 11, "minute": 12}
